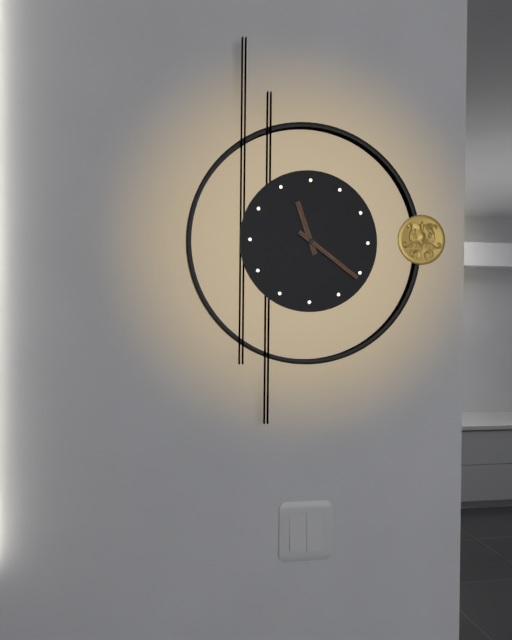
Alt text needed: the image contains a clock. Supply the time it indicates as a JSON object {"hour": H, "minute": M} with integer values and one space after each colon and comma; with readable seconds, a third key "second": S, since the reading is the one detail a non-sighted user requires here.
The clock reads {"hour": 11, "minute": 21}
